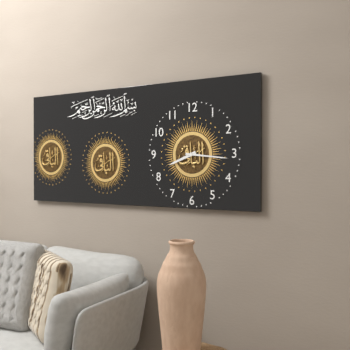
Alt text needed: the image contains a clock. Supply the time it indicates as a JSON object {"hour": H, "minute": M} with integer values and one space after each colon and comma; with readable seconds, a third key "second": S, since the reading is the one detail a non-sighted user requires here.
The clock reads {"hour": 8, "minute": 16}
